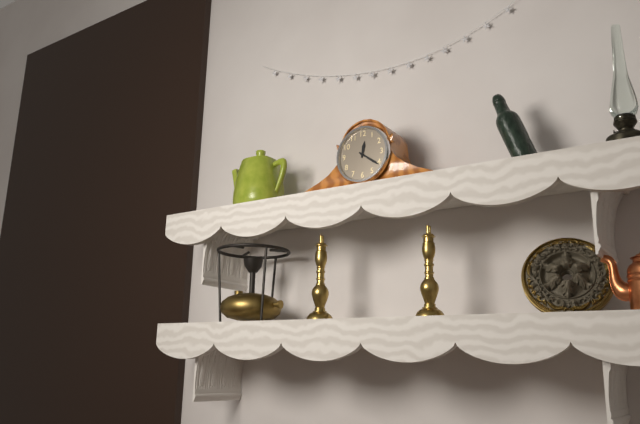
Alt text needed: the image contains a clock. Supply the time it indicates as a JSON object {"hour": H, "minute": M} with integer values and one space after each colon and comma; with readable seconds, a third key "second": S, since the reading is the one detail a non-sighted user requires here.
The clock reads {"hour": 12, "minute": 21}
